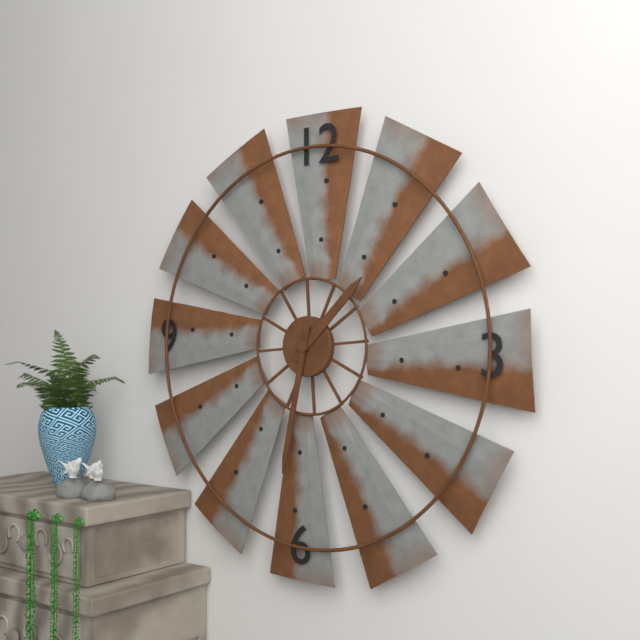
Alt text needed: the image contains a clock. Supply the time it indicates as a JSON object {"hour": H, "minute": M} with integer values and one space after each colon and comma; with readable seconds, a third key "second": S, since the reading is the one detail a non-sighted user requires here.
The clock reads {"hour": 1, "minute": 32}
